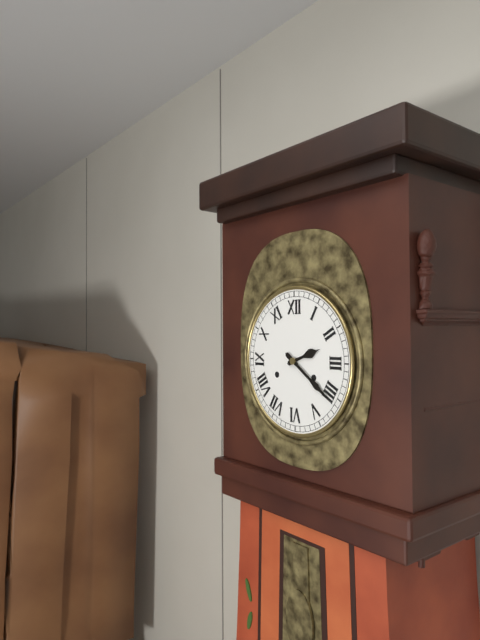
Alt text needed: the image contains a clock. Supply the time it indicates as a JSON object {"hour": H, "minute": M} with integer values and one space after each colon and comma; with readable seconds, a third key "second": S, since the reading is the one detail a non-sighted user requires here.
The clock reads {"hour": 2, "minute": 21}
